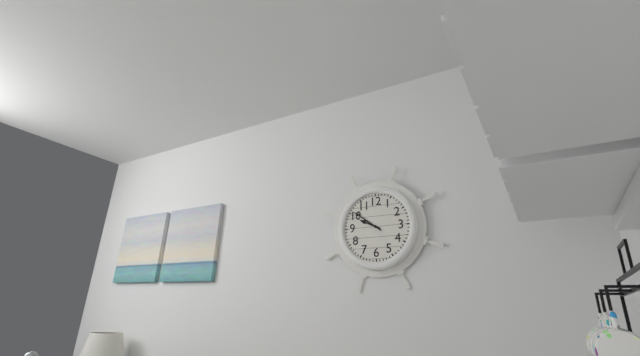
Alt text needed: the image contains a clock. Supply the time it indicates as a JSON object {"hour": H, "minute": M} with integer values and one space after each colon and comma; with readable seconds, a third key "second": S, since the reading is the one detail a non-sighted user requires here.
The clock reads {"hour": 9, "minute": 51}
